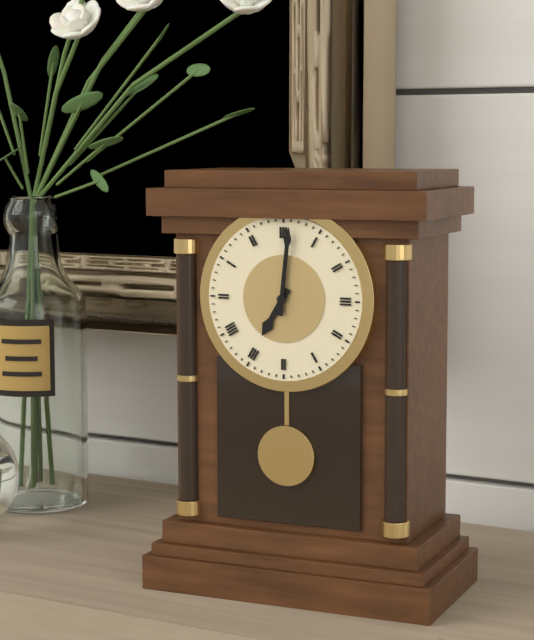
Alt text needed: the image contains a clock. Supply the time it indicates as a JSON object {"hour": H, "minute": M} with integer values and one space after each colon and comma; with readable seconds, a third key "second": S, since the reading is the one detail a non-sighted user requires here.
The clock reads {"hour": 7, "minute": 1}
